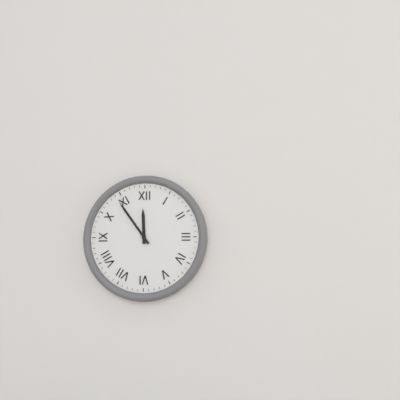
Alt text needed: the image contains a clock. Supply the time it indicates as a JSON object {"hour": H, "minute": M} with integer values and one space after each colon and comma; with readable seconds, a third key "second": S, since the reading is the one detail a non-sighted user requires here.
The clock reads {"hour": 11, "minute": 54}
